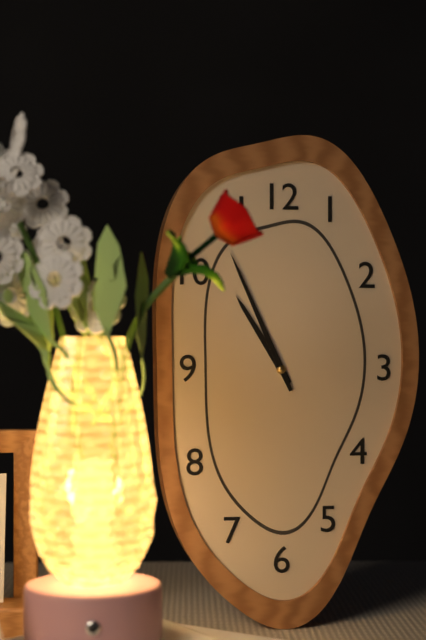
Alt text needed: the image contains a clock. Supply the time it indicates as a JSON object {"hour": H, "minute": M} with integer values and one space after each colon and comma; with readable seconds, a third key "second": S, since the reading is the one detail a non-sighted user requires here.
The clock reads {"hour": 10, "minute": 56}
